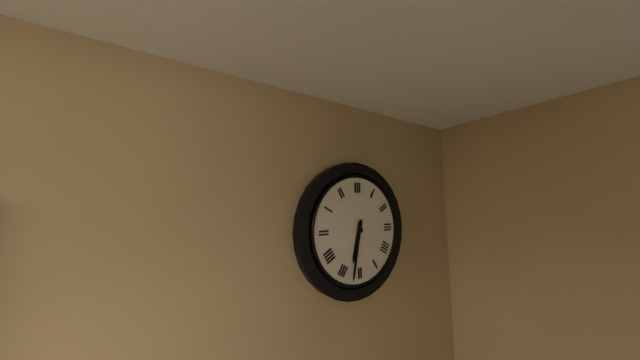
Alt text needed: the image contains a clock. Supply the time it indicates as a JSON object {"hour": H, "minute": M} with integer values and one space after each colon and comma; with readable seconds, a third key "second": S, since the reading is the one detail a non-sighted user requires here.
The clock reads {"hour": 6, "minute": 32}
